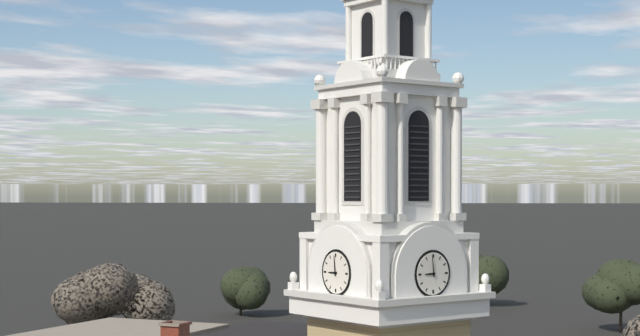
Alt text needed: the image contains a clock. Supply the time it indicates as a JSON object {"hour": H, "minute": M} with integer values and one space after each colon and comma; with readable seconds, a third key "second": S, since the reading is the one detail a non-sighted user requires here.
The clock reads {"hour": 8, "minute": 59}
